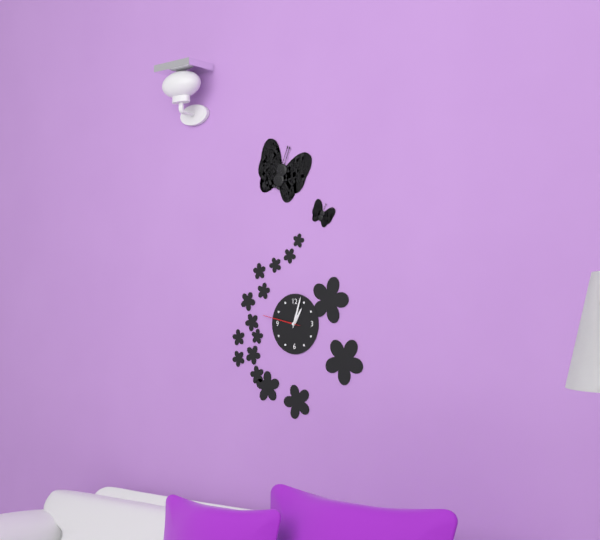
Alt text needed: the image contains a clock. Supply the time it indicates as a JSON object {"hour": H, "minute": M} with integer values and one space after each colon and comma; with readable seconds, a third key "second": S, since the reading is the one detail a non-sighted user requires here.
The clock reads {"hour": 1, "minute": 3}
